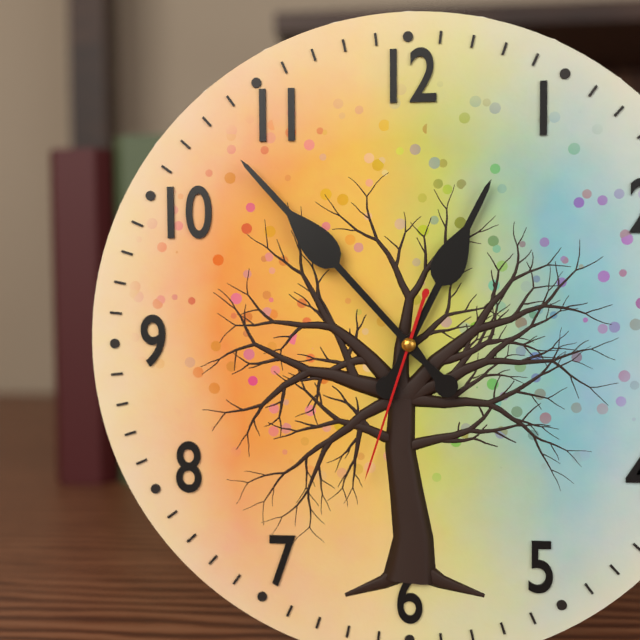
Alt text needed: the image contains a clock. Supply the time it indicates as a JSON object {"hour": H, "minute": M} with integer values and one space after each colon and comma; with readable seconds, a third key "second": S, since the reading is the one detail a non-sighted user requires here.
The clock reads {"hour": 12, "minute": 53, "second": 33}
